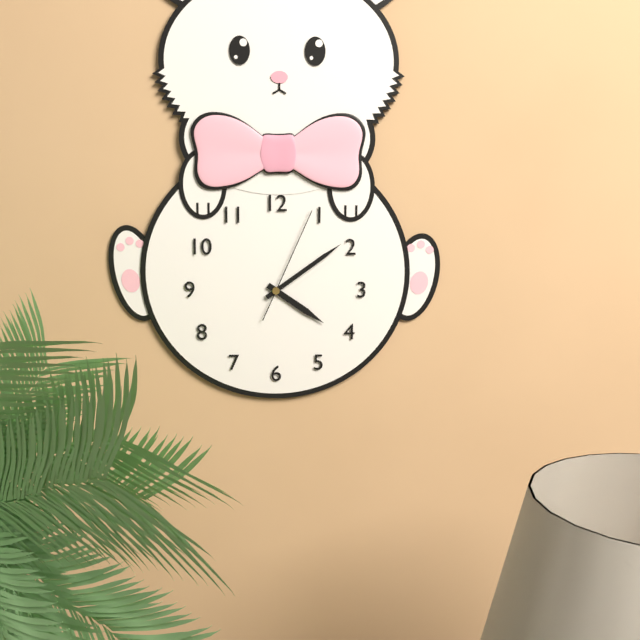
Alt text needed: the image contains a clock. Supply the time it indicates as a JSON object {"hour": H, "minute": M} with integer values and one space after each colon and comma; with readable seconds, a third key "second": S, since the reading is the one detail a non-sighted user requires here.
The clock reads {"hour": 4, "minute": 9, "second": 4}
